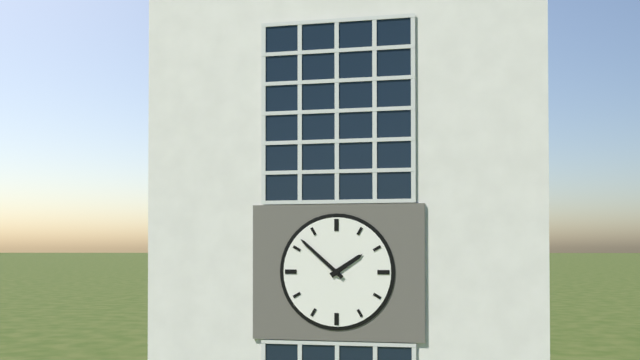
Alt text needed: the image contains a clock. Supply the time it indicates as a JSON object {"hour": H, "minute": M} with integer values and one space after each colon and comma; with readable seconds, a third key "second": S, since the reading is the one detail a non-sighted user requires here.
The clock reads {"hour": 1, "minute": 52}
